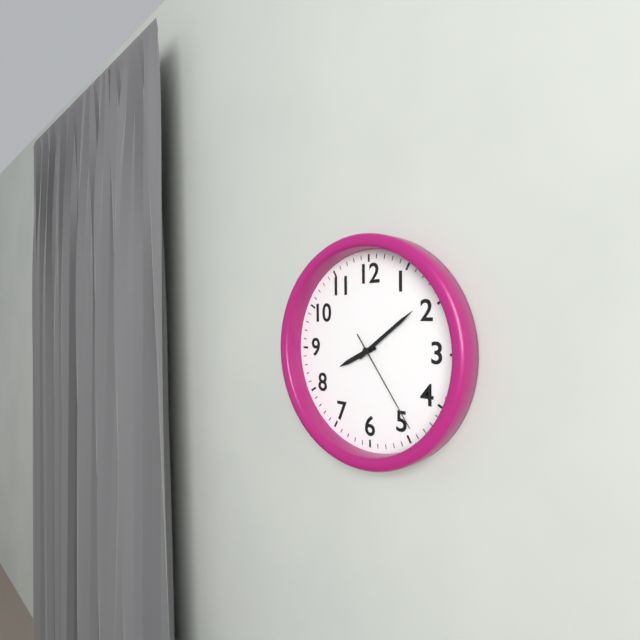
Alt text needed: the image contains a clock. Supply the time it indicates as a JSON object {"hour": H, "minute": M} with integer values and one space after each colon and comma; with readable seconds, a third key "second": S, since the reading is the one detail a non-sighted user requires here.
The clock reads {"hour": 8, "minute": 9, "second": 24}
